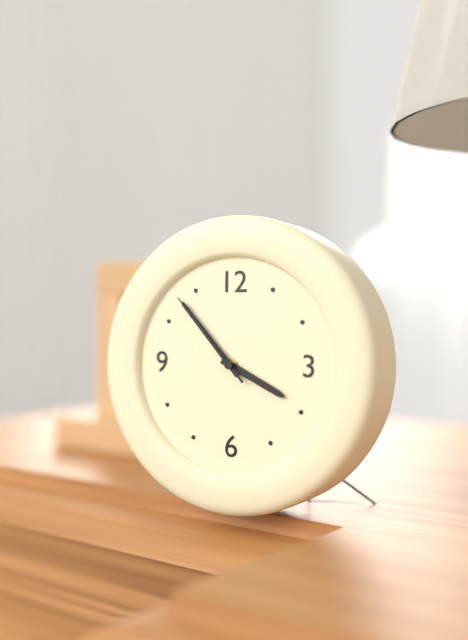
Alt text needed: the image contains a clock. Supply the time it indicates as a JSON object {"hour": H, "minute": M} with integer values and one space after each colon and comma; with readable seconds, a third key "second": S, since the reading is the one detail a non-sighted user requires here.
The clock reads {"hour": 3, "minute": 53, "second": 53}
